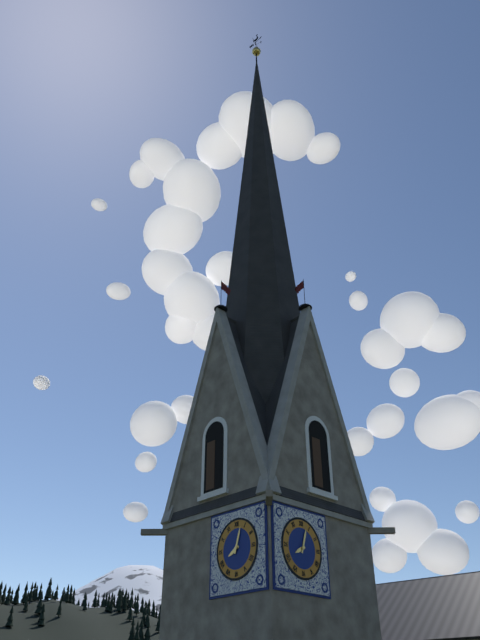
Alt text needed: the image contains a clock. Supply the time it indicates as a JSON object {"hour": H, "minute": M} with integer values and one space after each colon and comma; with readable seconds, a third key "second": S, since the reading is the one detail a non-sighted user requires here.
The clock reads {"hour": 8, "minute": 3}
